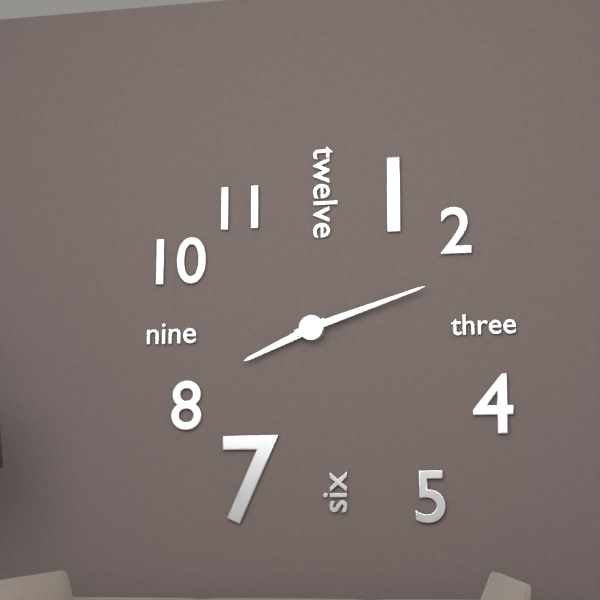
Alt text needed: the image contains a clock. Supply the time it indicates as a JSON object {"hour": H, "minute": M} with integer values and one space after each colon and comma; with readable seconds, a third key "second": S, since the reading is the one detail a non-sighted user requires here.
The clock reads {"hour": 8, "minute": 12}
